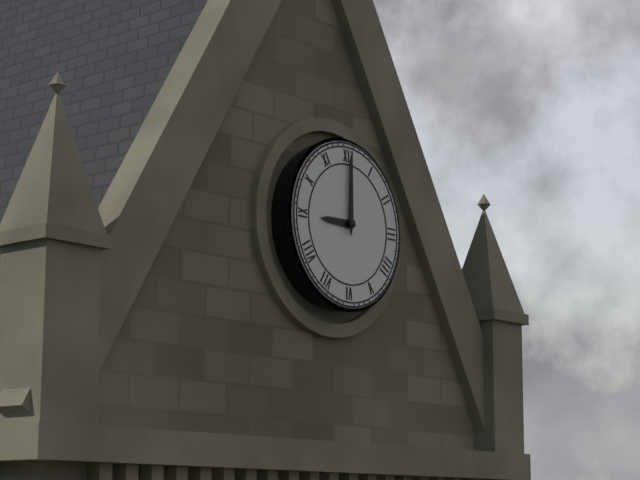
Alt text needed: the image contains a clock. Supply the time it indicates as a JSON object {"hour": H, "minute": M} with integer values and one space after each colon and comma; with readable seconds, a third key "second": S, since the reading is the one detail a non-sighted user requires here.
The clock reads {"hour": 9, "minute": 0}
